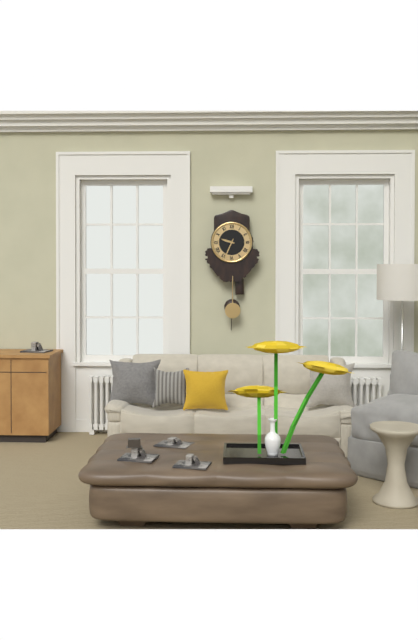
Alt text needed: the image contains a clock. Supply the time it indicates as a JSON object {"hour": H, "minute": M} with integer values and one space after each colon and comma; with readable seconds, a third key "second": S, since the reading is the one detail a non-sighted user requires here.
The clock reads {"hour": 9, "minute": 34}
